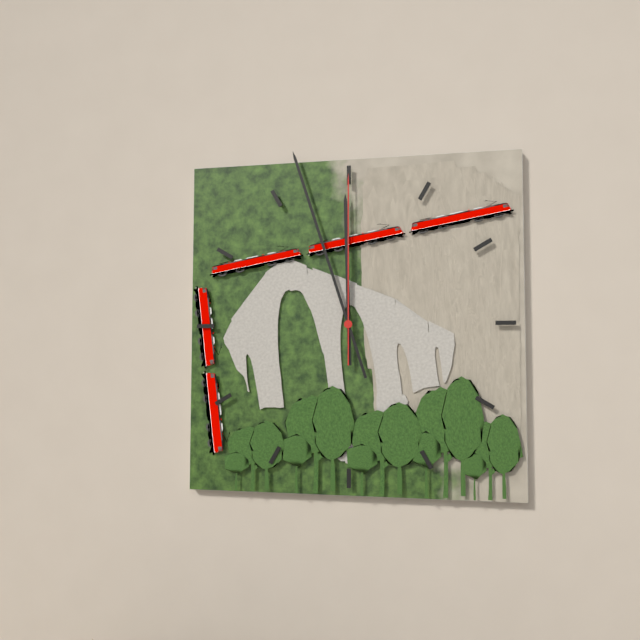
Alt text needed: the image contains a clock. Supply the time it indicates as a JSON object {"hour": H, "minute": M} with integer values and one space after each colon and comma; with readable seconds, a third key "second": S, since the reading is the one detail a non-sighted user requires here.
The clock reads {"hour": 11, "minute": 57, "second": 0}
